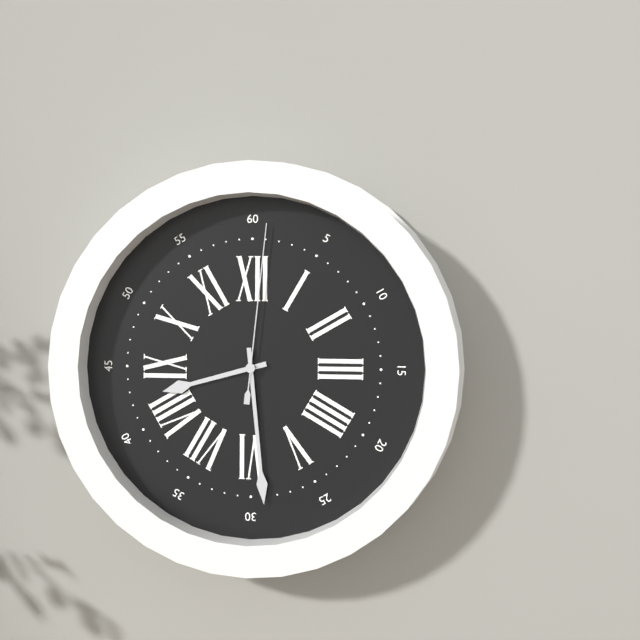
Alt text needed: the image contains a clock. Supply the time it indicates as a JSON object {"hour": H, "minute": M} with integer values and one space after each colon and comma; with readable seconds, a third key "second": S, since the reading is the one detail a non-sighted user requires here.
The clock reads {"hour": 8, "minute": 29, "second": 1}
